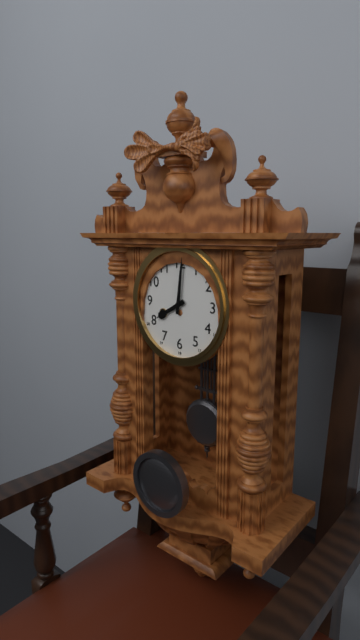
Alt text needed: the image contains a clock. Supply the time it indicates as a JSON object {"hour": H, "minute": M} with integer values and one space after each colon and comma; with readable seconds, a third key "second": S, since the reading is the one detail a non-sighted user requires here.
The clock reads {"hour": 8, "minute": 1}
